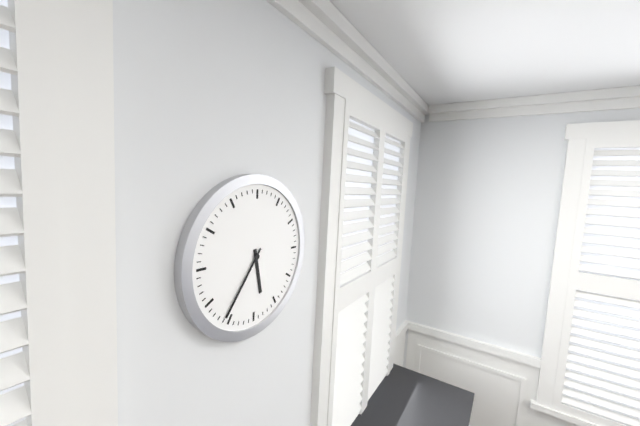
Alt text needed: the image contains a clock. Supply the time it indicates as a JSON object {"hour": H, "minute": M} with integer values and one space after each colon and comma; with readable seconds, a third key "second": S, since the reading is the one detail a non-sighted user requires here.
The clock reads {"hour": 5, "minute": 36}
